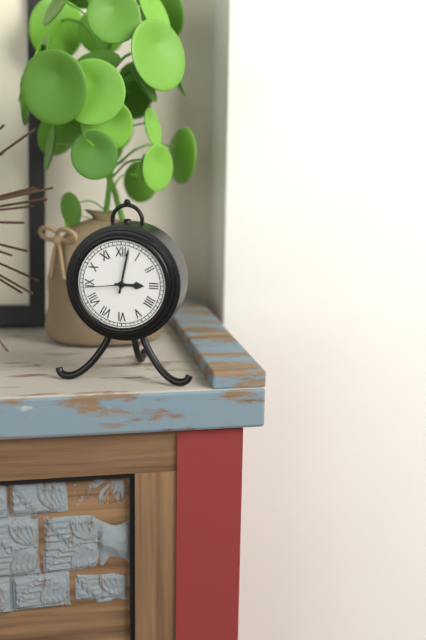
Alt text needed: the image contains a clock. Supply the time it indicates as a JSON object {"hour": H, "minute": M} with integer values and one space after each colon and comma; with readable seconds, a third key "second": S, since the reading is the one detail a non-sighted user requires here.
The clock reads {"hour": 3, "minute": 2, "second": 44}
